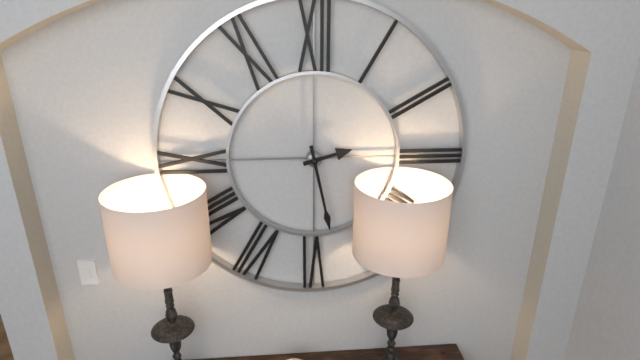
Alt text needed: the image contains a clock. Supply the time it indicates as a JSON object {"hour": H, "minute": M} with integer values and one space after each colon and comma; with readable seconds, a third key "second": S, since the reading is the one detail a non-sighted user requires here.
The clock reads {"hour": 2, "minute": 28}
